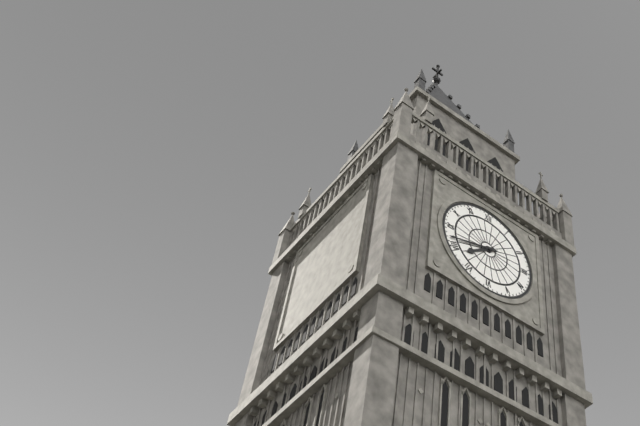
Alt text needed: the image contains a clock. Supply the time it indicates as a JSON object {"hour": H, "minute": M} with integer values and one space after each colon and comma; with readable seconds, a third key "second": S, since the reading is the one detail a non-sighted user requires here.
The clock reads {"hour": 7, "minute": 42}
